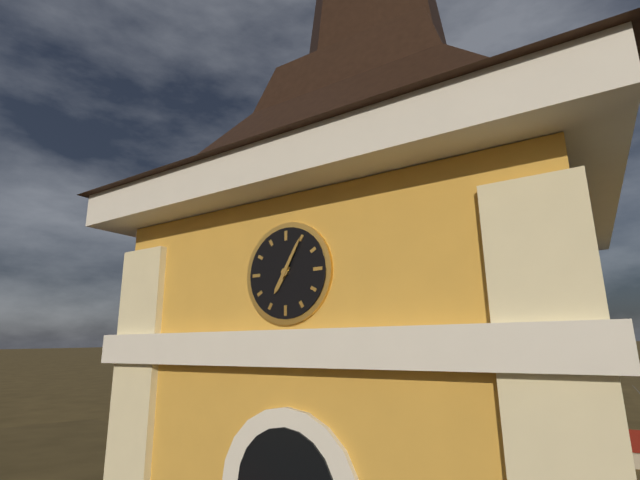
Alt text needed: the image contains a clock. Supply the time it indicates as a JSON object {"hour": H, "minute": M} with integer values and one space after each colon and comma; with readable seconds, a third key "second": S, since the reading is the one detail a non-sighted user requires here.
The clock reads {"hour": 7, "minute": 5}
